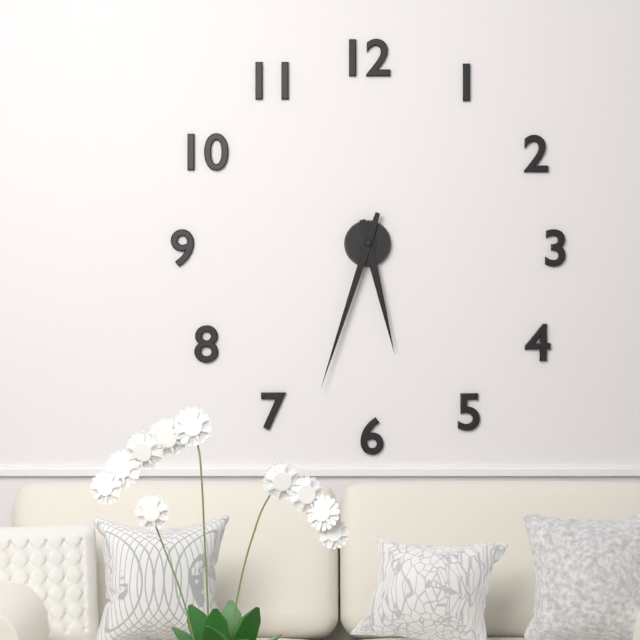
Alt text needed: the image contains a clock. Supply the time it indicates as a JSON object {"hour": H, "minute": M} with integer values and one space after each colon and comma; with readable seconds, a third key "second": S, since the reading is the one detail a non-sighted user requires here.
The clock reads {"hour": 5, "minute": 33}
